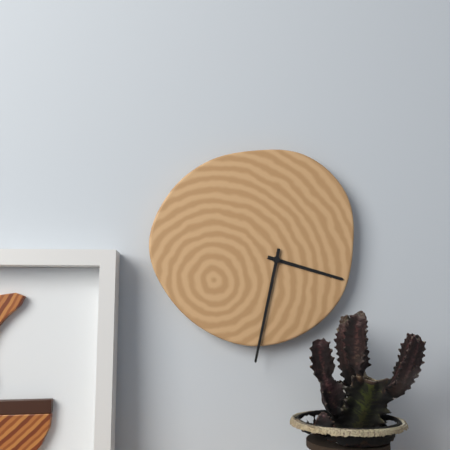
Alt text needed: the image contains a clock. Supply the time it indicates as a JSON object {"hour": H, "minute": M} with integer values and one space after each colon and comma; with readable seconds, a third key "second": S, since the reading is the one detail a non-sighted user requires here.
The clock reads {"hour": 3, "minute": 32}
